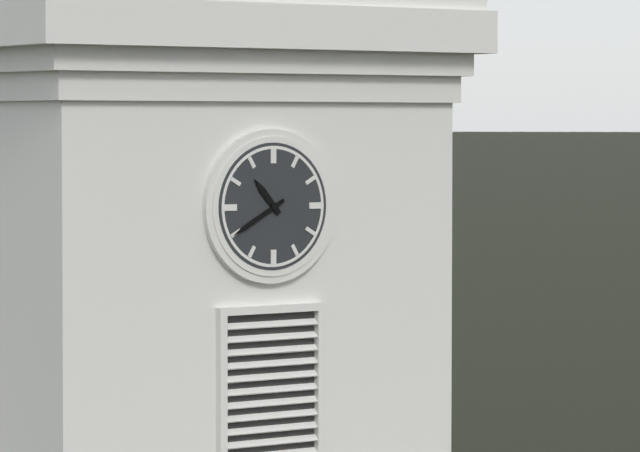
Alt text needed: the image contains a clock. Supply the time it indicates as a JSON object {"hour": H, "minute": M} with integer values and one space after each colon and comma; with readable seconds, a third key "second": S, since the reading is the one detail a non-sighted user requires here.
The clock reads {"hour": 10, "minute": 40}
